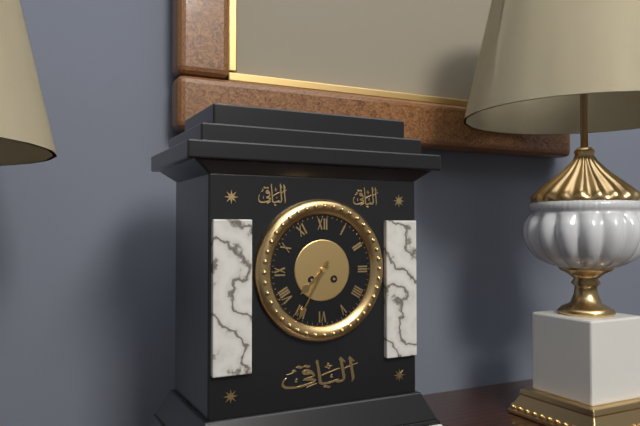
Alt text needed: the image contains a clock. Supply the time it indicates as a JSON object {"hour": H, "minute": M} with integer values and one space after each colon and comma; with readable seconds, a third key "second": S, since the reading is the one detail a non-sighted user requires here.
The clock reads {"hour": 7, "minute": 35}
